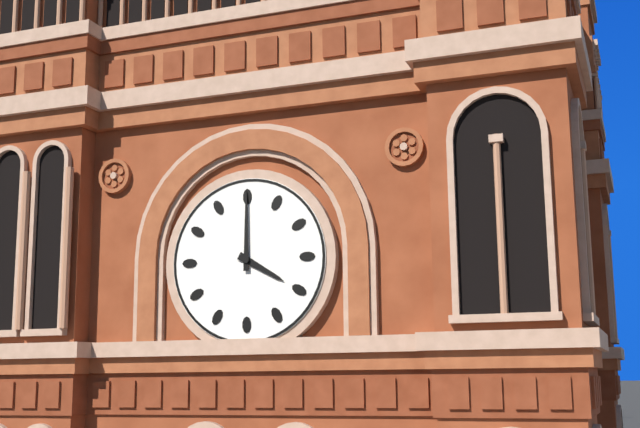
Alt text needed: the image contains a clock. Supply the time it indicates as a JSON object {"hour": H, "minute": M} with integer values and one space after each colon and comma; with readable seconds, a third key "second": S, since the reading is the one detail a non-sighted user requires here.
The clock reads {"hour": 4, "minute": 0}
